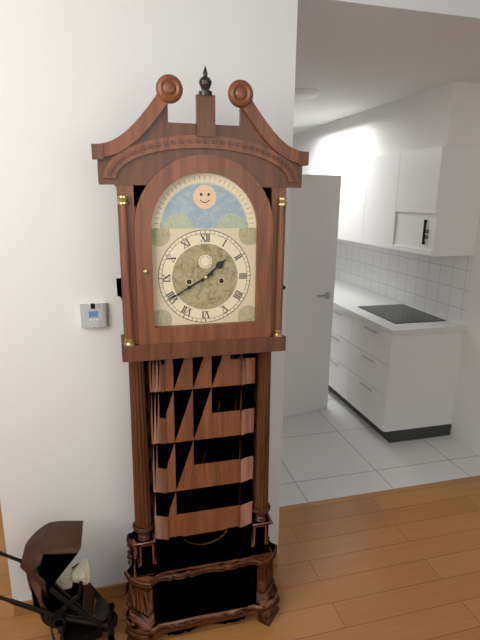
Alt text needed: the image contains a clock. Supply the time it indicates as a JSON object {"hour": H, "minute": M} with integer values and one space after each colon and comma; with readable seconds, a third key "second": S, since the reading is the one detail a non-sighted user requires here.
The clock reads {"hour": 1, "minute": 40}
